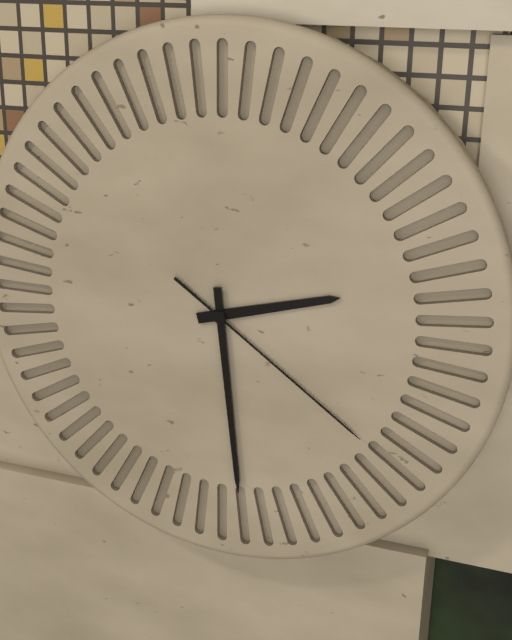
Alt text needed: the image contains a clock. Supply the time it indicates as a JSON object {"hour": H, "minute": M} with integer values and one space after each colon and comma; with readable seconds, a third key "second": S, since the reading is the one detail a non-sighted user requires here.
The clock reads {"hour": 2, "minute": 29, "second": 21}
